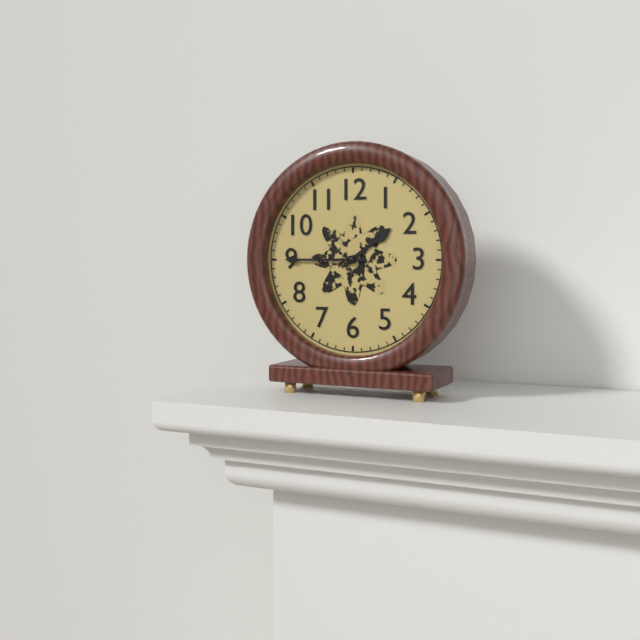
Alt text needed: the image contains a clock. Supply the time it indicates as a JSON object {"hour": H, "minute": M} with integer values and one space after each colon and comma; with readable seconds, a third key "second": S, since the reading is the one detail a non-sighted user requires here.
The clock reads {"hour": 1, "minute": 45}
